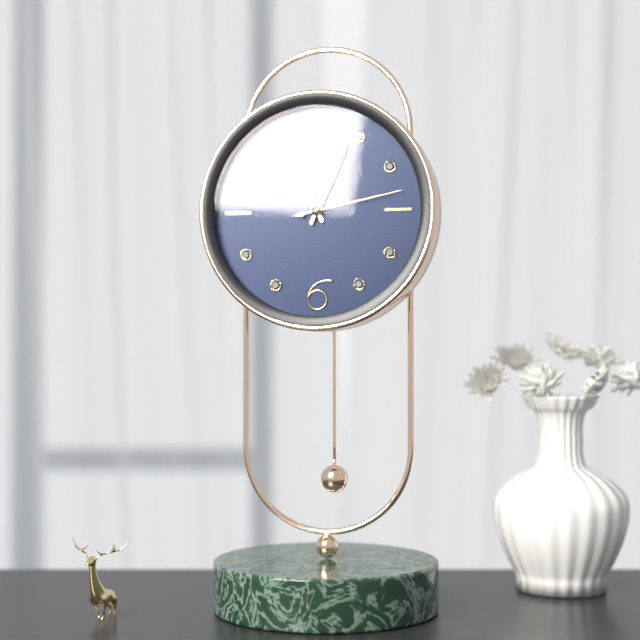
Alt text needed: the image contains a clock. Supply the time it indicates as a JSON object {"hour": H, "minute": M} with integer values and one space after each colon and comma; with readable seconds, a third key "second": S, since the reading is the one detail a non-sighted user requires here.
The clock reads {"hour": 11, "minute": 4, "second": 13}
